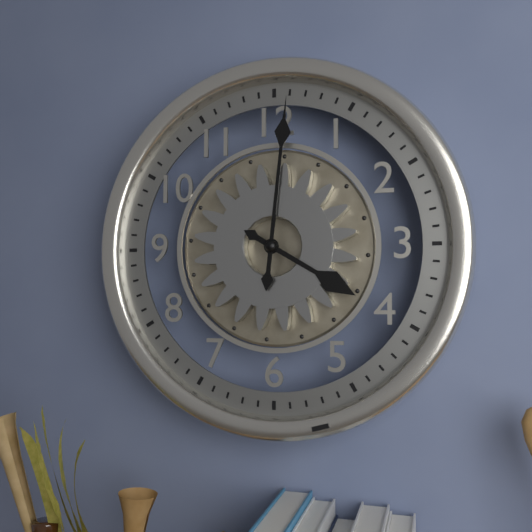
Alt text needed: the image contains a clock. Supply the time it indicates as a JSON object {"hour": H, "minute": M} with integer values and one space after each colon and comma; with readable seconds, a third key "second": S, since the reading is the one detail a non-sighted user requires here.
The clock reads {"hour": 4, "minute": 1}
